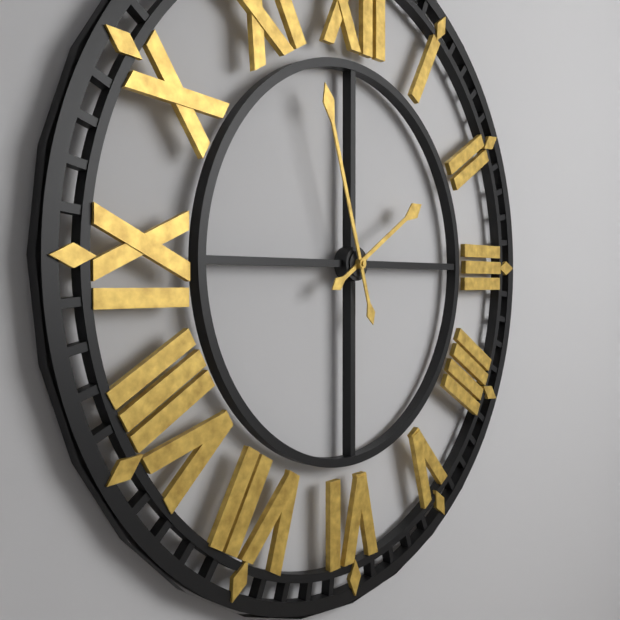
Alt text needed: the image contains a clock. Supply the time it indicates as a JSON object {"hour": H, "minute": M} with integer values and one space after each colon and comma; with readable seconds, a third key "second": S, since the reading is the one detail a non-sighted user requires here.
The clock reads {"hour": 1, "minute": 57}
